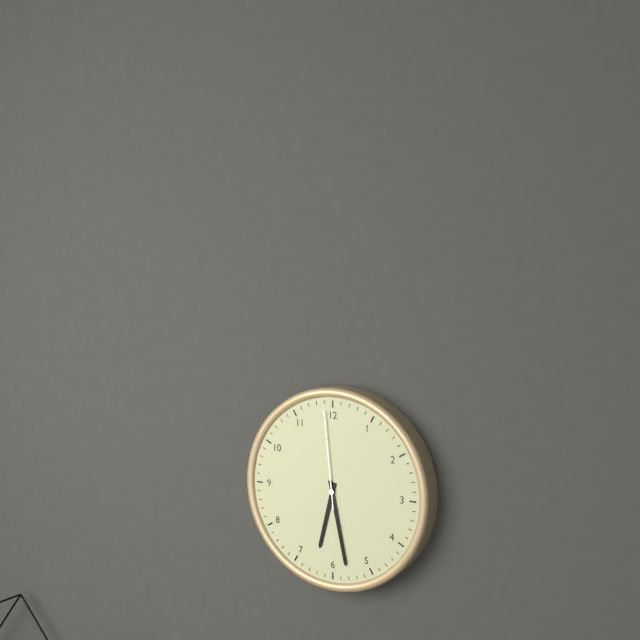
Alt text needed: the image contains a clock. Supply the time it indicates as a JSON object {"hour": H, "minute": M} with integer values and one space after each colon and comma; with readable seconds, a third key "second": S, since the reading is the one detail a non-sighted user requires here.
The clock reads {"hour": 6, "minute": 28, "second": 59}
